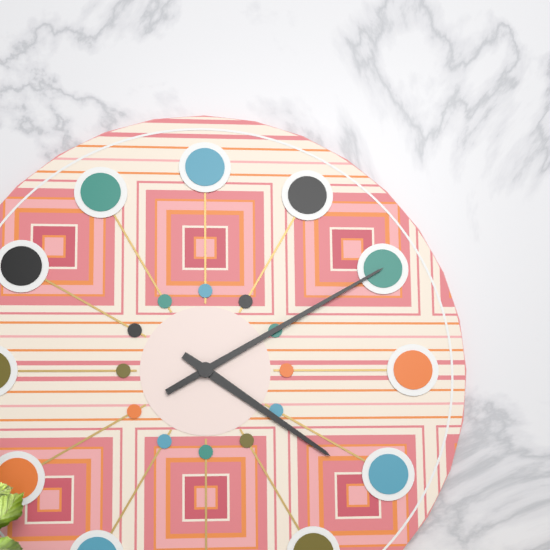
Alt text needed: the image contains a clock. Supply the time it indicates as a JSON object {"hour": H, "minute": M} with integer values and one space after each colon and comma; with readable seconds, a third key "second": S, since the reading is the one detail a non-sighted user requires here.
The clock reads {"hour": 4, "minute": 10}
